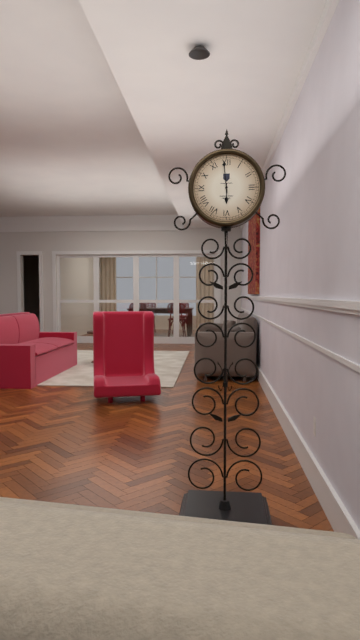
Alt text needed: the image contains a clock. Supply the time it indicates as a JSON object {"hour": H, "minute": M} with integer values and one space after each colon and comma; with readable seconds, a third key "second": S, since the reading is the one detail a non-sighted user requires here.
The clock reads {"hour": 5, "minute": 59}
